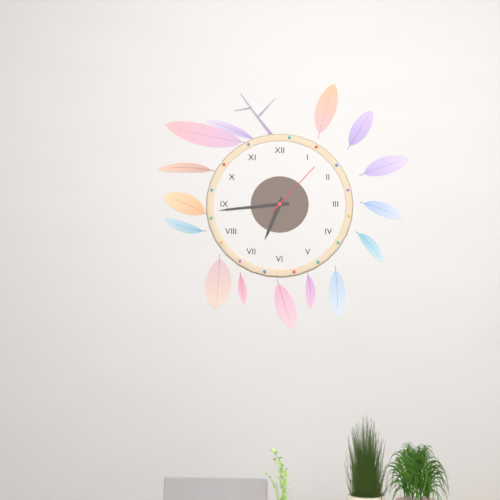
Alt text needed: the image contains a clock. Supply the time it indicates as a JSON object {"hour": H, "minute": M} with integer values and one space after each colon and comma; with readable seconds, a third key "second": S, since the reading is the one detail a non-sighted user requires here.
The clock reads {"hour": 6, "minute": 44, "second": 7}
